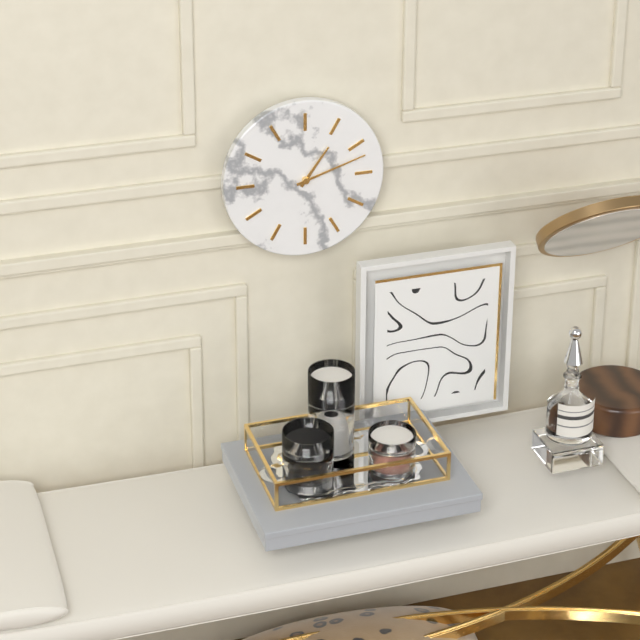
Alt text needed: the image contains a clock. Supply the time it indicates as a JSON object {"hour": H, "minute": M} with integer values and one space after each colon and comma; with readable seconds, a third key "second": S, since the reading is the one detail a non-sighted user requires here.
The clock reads {"hour": 1, "minute": 12}
